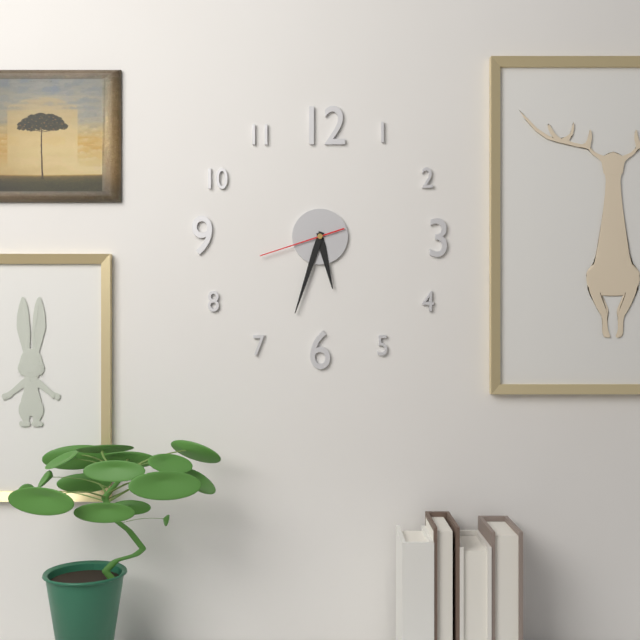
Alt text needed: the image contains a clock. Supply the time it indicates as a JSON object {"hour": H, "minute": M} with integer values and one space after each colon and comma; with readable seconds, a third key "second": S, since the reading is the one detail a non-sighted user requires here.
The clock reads {"hour": 5, "minute": 33, "second": 42}
